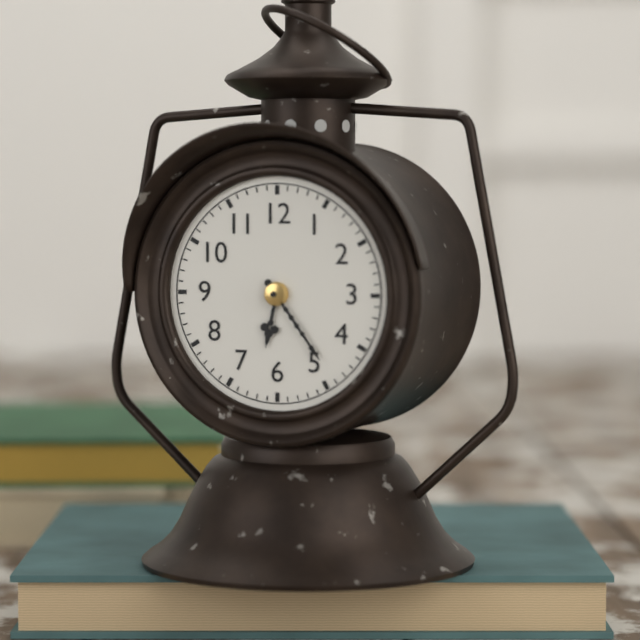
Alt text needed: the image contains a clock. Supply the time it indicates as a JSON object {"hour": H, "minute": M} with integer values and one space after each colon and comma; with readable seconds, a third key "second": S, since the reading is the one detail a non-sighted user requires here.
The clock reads {"hour": 6, "minute": 24}
